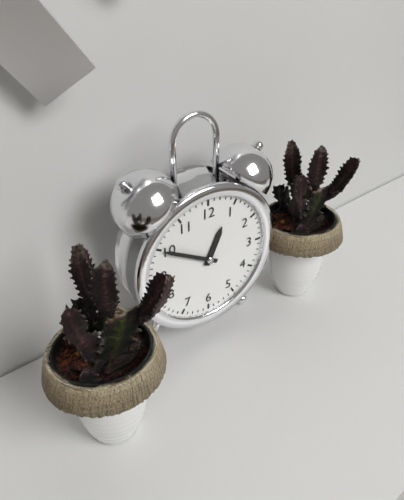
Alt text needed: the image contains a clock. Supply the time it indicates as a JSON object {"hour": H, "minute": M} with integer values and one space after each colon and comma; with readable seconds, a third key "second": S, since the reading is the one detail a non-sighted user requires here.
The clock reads {"hour": 12, "minute": 50}
